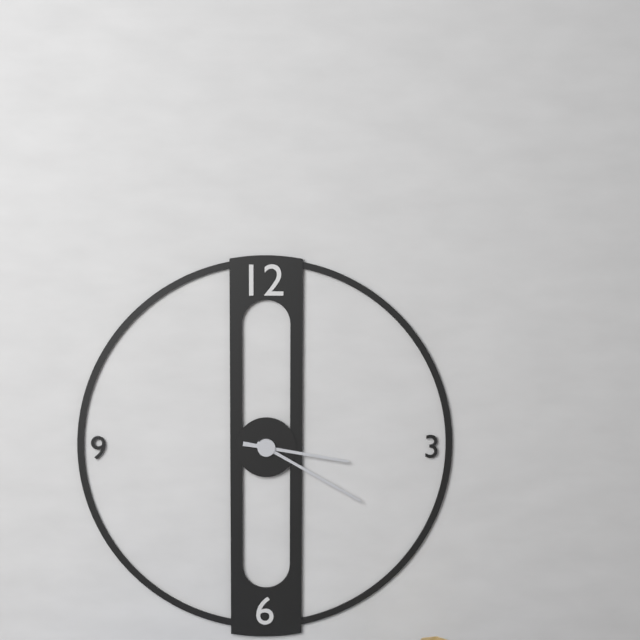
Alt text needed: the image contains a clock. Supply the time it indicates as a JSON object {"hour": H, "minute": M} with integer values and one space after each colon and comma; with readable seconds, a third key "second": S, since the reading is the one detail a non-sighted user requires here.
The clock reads {"hour": 3, "minute": 20}
